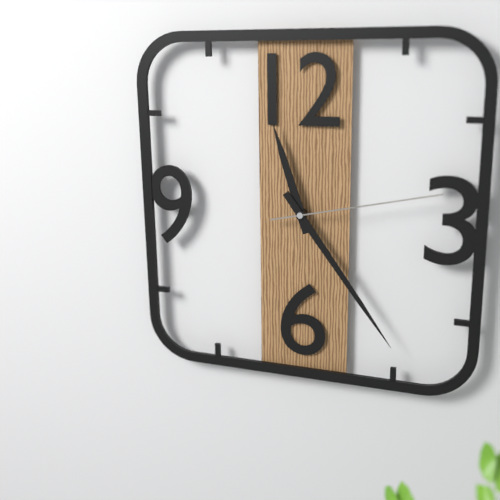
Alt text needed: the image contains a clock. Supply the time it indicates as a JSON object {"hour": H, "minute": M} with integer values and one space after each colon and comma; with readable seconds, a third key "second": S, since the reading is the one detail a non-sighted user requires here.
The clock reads {"hour": 11, "minute": 24, "second": 13}
